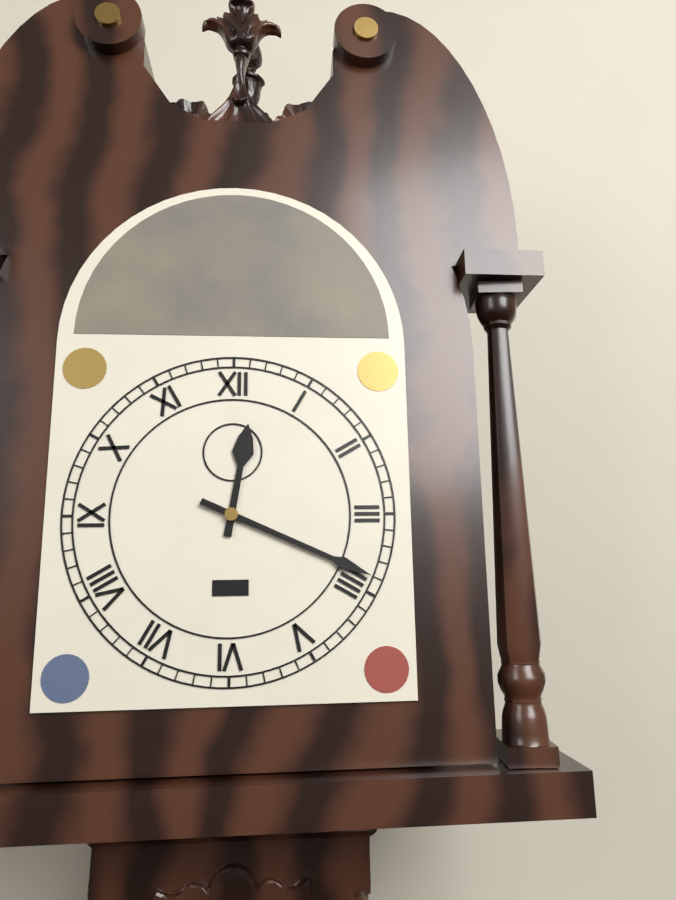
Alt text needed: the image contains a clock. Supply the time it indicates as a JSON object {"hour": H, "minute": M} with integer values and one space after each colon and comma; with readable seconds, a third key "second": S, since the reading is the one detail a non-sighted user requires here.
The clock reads {"hour": 12, "minute": 19}
